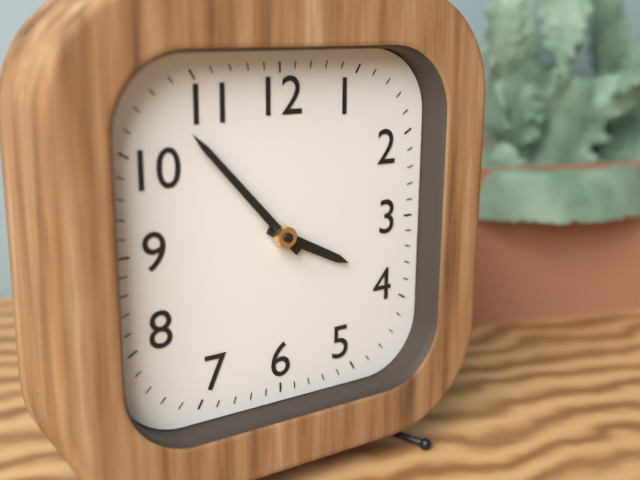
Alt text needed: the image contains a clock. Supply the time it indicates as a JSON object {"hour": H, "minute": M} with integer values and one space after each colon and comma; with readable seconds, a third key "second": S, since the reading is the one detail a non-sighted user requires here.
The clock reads {"hour": 3, "minute": 53}
